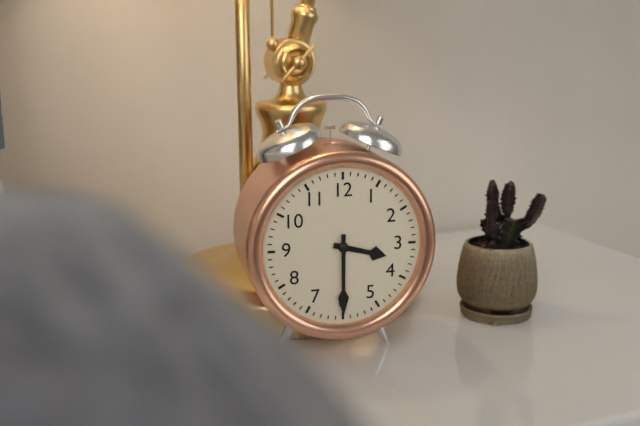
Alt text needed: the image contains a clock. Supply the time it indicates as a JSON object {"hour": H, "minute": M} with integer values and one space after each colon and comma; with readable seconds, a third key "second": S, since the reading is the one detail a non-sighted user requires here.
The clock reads {"hour": 3, "minute": 30}
